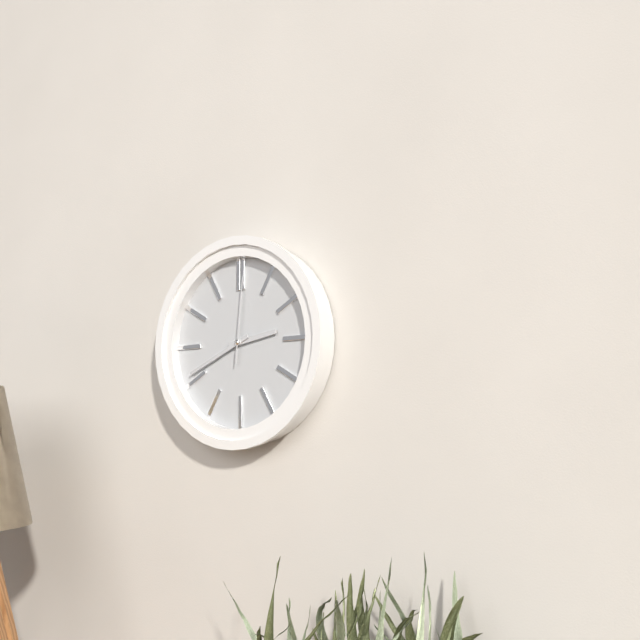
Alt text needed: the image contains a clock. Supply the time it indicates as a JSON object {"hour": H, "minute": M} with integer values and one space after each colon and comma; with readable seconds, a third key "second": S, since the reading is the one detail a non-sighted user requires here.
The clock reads {"hour": 2, "minute": 41, "second": 1}
